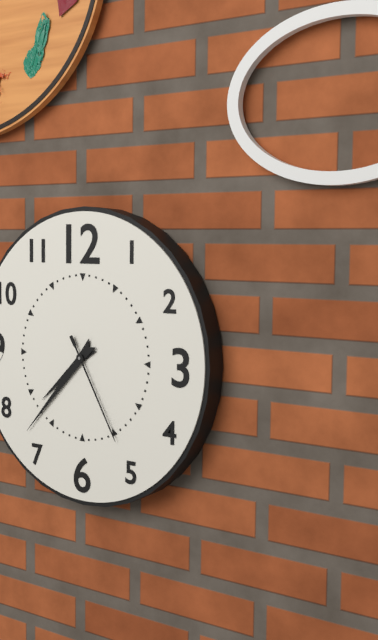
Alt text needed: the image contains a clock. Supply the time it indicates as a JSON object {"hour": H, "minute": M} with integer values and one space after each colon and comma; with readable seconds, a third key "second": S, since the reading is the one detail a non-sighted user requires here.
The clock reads {"hour": 7, "minute": 37, "second": 25}
